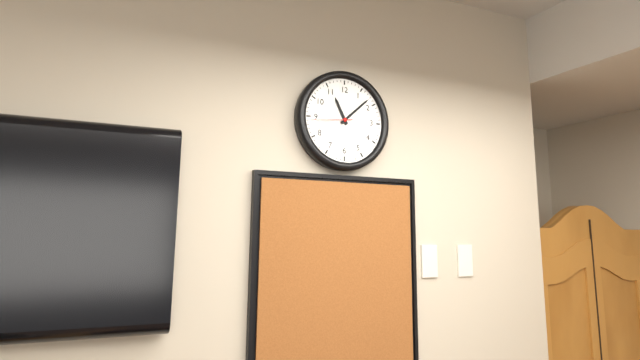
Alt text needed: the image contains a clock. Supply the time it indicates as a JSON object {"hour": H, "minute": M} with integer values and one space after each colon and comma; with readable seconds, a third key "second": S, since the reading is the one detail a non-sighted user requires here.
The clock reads {"hour": 11, "minute": 8}
